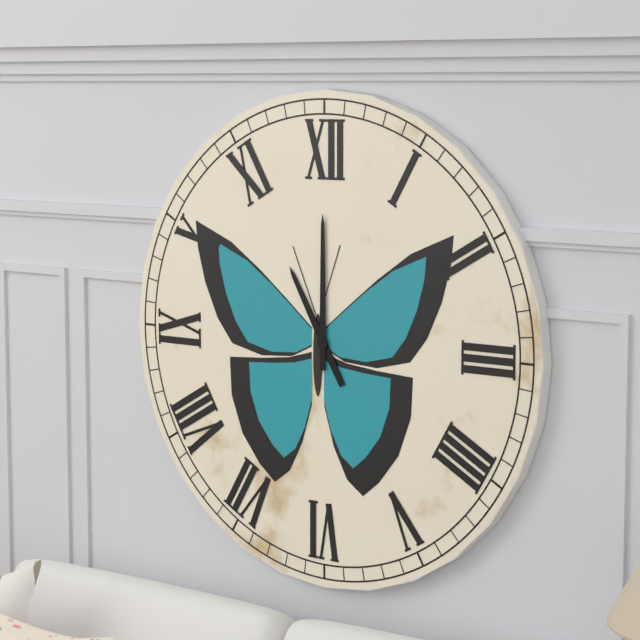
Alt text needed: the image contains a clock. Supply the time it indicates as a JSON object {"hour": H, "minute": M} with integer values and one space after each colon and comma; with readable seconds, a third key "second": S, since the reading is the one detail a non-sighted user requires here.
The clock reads {"hour": 11, "minute": 0}
